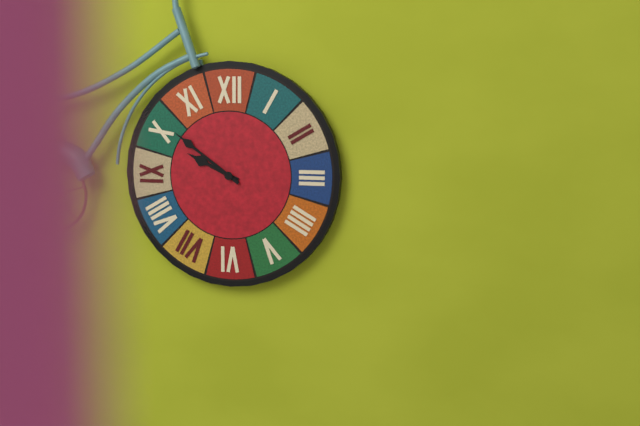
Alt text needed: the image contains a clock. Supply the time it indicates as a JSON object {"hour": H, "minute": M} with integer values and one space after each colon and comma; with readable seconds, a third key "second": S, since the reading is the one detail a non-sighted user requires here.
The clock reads {"hour": 9, "minute": 51}
